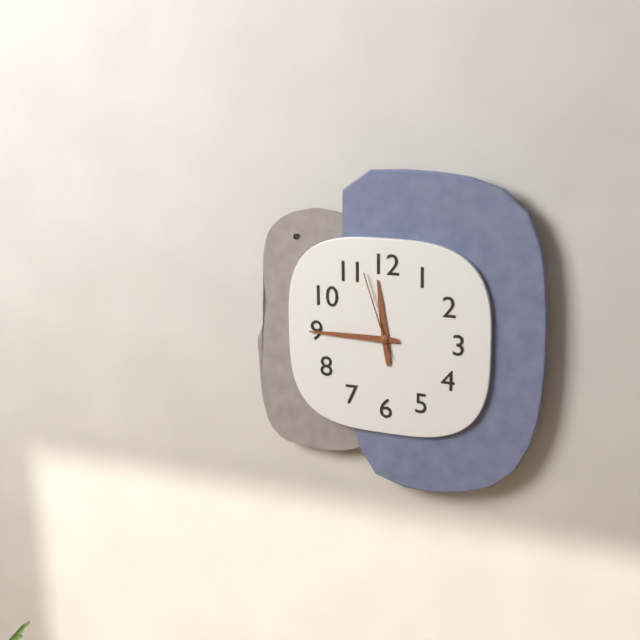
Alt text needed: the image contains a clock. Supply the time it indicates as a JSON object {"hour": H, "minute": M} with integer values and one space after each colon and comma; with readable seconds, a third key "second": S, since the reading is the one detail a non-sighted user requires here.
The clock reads {"hour": 11, "minute": 45, "second": 57}
